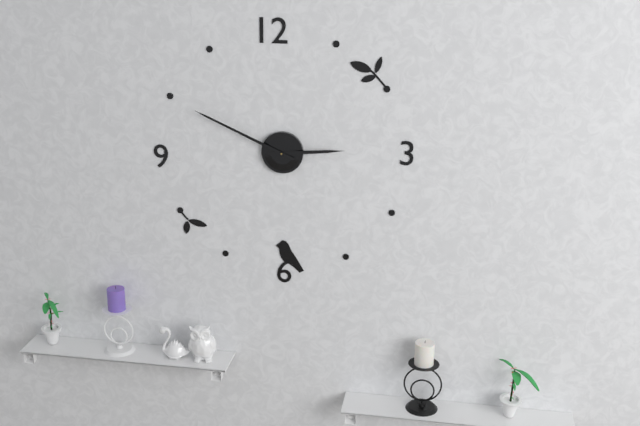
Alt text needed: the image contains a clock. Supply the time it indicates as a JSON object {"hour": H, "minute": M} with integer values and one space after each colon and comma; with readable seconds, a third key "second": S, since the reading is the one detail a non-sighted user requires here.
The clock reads {"hour": 2, "minute": 49}
